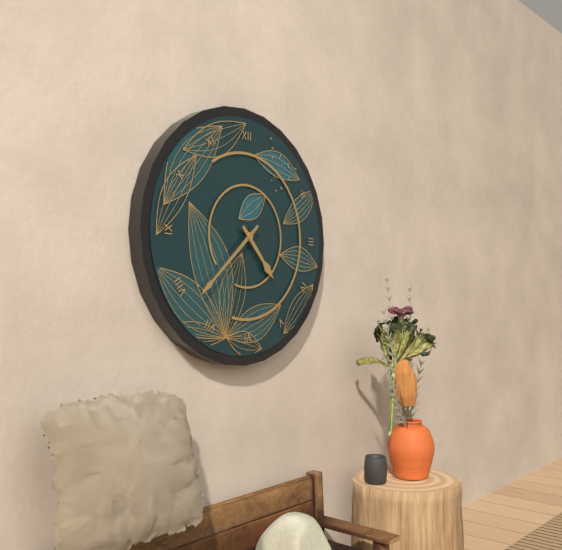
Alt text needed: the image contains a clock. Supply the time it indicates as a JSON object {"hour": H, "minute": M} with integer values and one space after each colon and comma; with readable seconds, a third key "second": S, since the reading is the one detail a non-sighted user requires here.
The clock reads {"hour": 4, "minute": 38}
